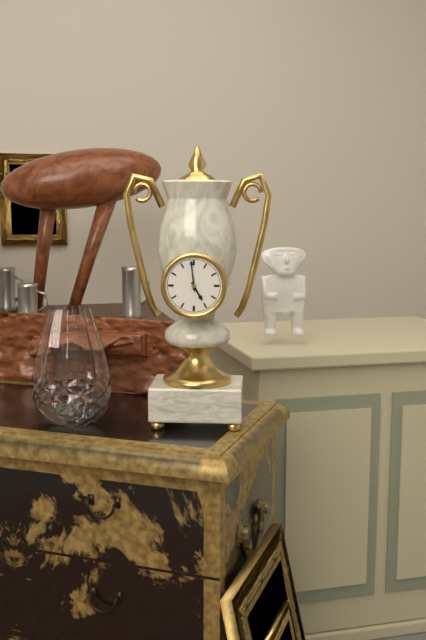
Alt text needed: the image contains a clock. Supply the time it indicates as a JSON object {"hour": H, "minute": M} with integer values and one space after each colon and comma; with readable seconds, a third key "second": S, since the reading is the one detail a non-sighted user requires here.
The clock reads {"hour": 4, "minute": 59}
